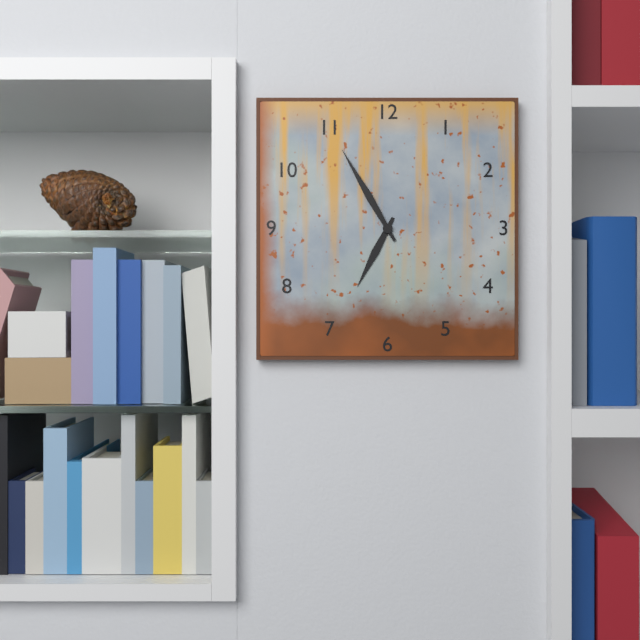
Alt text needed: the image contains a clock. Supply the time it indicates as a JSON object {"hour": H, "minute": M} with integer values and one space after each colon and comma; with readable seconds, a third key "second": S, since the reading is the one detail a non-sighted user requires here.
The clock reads {"hour": 6, "minute": 55}
